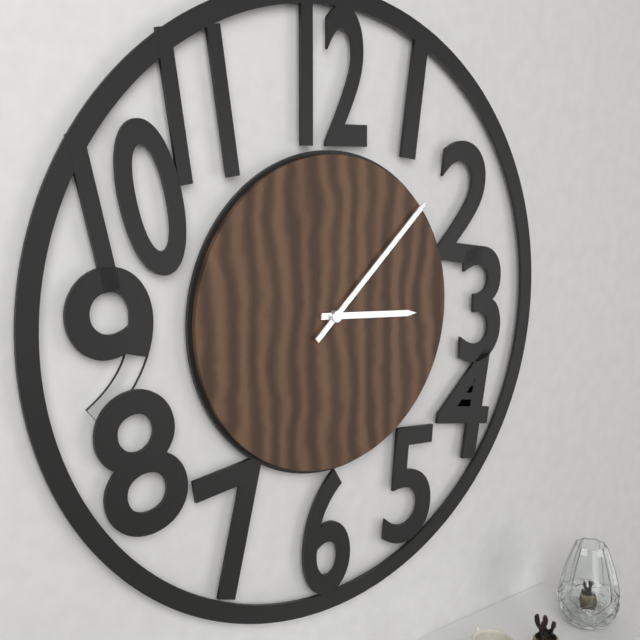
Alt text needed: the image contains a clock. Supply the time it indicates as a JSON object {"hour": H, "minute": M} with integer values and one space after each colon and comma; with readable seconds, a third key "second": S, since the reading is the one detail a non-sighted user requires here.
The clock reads {"hour": 3, "minute": 8}
